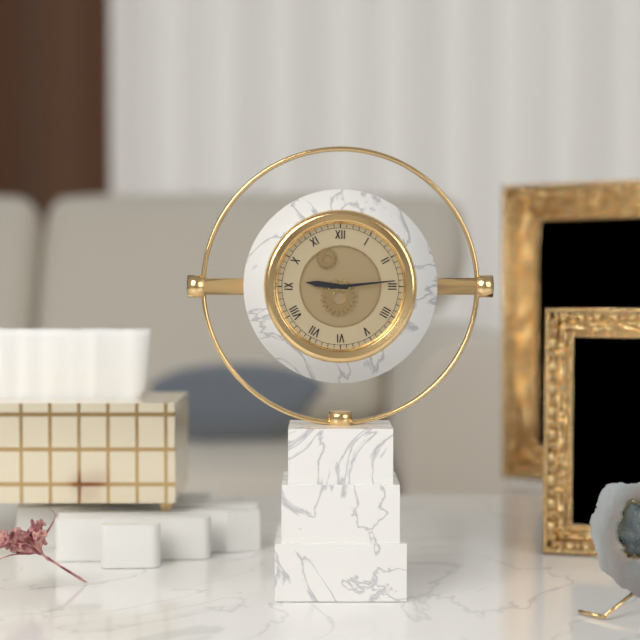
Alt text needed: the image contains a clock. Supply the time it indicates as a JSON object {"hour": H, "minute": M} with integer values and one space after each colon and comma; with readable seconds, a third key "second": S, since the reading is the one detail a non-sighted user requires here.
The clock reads {"hour": 9, "minute": 14}
